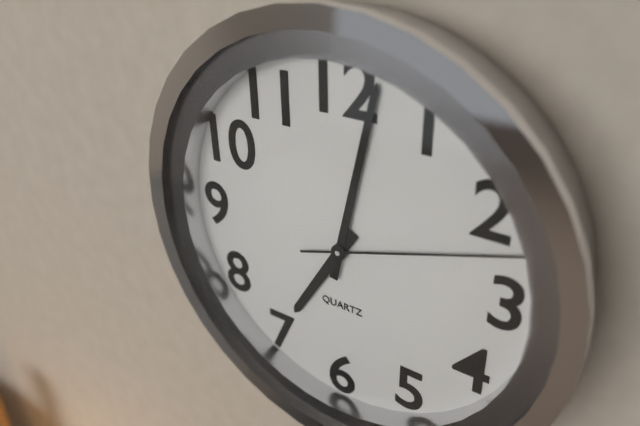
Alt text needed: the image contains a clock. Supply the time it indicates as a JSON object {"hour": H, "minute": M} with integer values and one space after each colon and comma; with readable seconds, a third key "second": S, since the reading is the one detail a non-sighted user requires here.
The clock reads {"hour": 7, "minute": 2, "second": 12}
